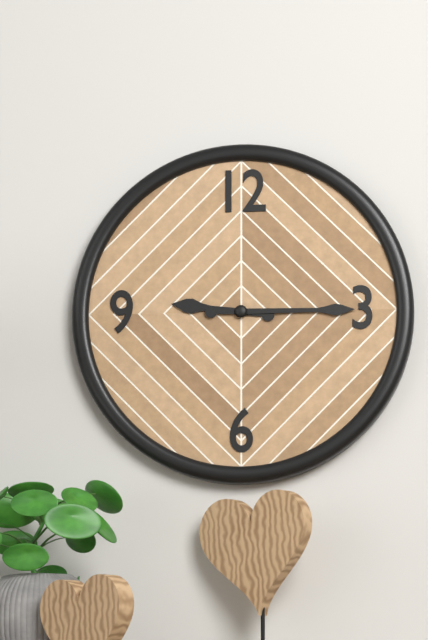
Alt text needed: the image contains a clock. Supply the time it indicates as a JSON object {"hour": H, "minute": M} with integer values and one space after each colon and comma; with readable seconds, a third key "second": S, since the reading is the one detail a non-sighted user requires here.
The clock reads {"hour": 9, "minute": 15}
